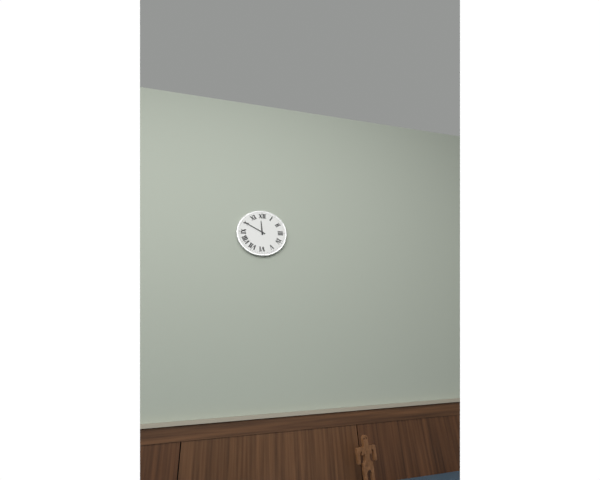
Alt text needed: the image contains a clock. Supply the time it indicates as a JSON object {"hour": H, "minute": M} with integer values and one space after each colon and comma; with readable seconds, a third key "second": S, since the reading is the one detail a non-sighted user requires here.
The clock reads {"hour": 11, "minute": 50}
